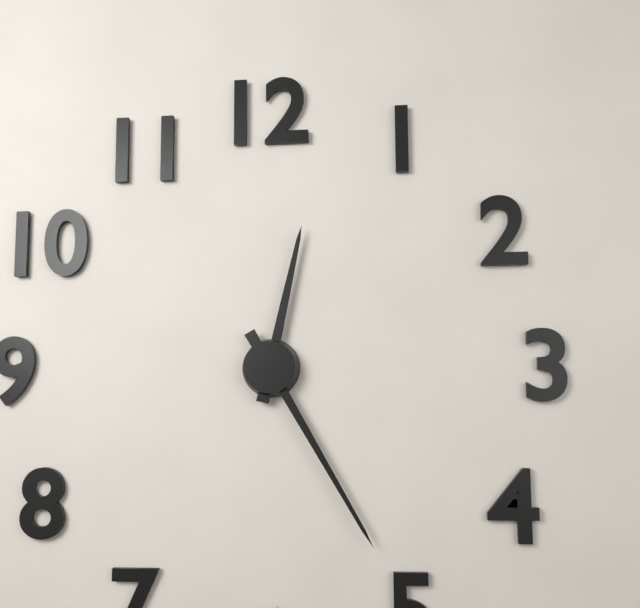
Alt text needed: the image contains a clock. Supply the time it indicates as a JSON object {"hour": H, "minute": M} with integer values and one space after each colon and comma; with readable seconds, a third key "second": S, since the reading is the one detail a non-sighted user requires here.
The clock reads {"hour": 12, "minute": 25}
